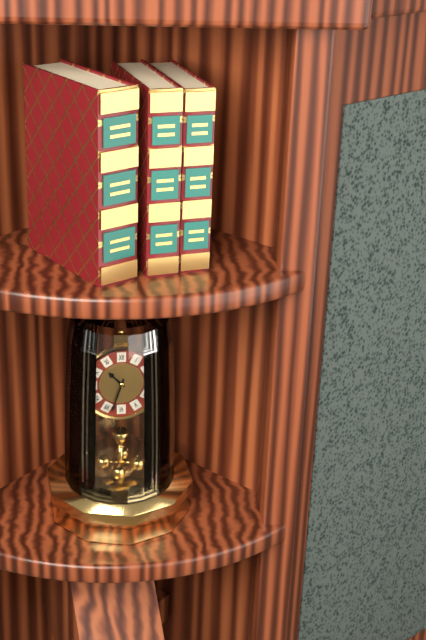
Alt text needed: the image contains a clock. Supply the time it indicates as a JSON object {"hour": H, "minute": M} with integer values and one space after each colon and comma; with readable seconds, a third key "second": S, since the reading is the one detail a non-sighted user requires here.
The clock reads {"hour": 10, "minute": 33}
